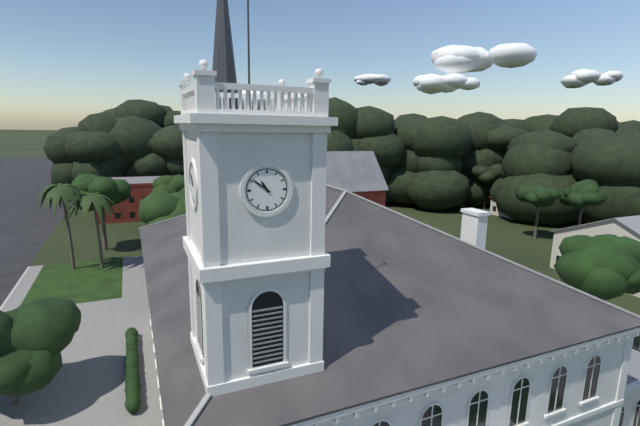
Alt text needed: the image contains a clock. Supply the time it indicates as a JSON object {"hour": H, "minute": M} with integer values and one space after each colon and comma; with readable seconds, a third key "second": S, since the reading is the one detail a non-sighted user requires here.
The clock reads {"hour": 10, "minute": 51}
